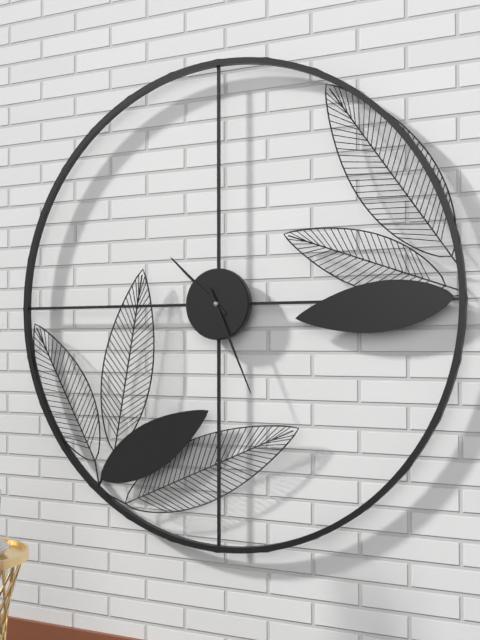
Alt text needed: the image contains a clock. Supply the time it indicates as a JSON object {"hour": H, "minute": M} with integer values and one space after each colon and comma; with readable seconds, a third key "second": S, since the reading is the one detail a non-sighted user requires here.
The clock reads {"hour": 10, "minute": 26}
